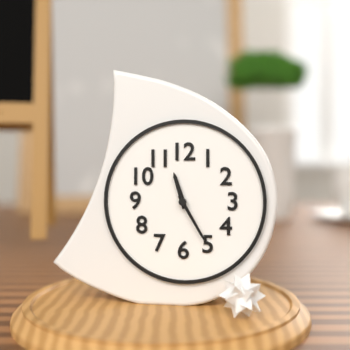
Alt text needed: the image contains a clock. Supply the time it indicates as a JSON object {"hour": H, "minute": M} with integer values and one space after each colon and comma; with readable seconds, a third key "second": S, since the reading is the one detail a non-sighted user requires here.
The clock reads {"hour": 11, "minute": 25}
